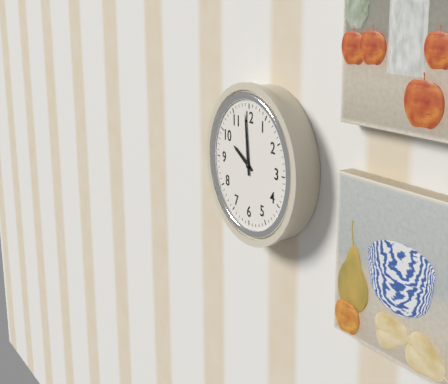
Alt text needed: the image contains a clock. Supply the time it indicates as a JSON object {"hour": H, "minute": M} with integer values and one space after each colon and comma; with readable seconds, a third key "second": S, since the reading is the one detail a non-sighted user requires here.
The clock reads {"hour": 9, "minute": 59}
